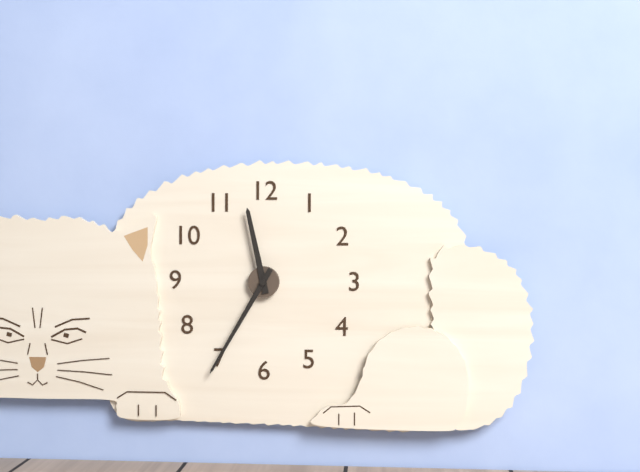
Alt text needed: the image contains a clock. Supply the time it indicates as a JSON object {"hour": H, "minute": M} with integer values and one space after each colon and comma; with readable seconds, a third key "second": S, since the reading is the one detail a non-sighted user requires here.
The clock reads {"hour": 11, "minute": 35}
